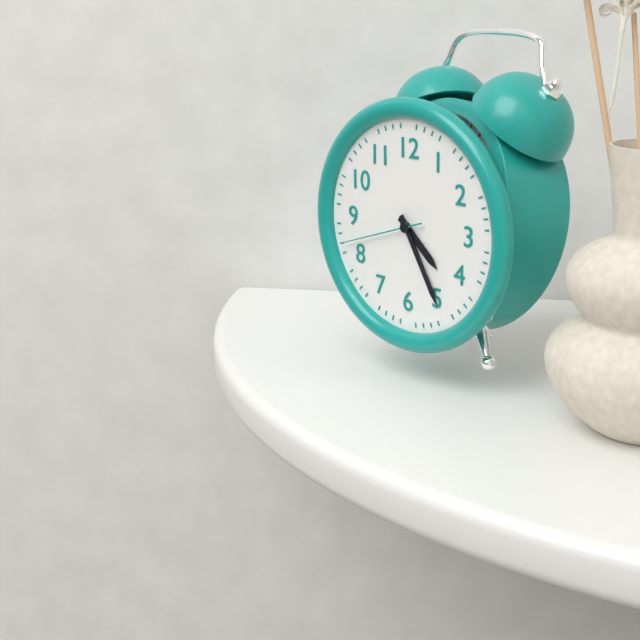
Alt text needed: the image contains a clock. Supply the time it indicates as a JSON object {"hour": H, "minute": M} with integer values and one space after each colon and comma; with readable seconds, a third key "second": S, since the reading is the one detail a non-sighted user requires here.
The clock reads {"hour": 4, "minute": 25, "second": 42}
